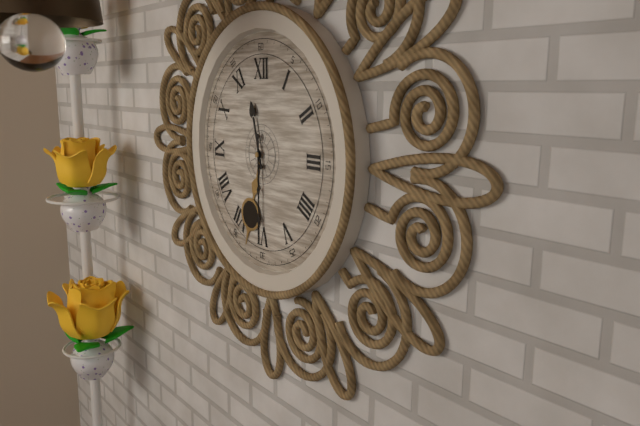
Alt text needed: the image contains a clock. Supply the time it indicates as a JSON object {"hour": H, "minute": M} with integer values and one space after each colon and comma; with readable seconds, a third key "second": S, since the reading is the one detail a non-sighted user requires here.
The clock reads {"hour": 11, "minute": 30}
